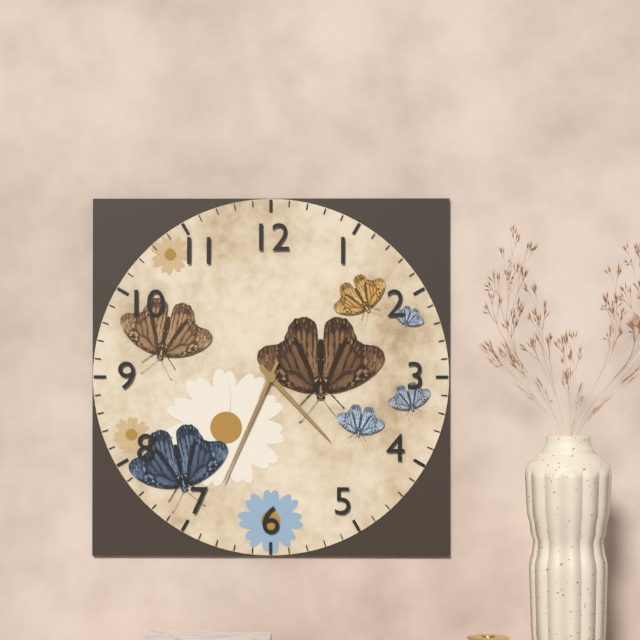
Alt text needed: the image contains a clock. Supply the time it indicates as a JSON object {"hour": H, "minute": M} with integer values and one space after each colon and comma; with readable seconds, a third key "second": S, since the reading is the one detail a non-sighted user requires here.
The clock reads {"hour": 4, "minute": 34}
